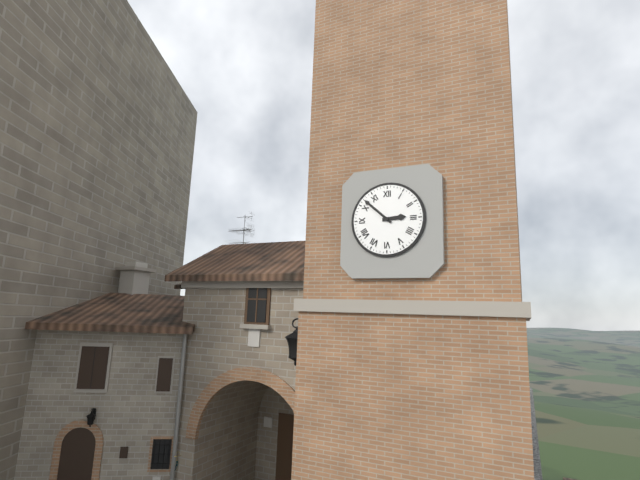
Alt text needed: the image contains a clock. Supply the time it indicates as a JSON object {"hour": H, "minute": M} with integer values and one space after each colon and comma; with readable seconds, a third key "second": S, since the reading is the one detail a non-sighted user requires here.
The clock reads {"hour": 2, "minute": 52}
